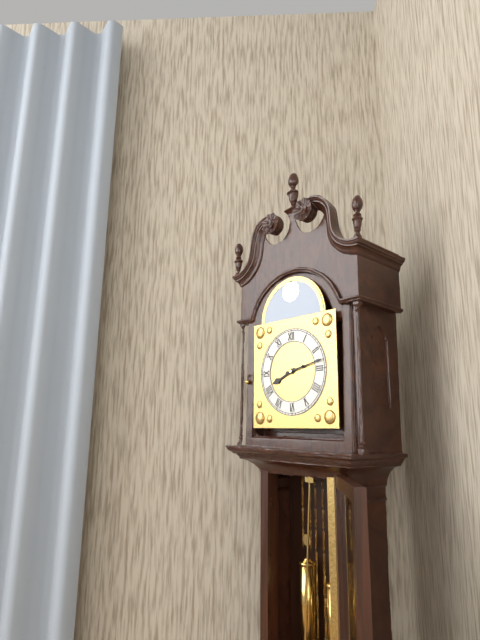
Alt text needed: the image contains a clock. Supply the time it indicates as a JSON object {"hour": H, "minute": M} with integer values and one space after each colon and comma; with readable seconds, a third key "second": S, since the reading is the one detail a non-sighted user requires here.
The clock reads {"hour": 8, "minute": 13}
